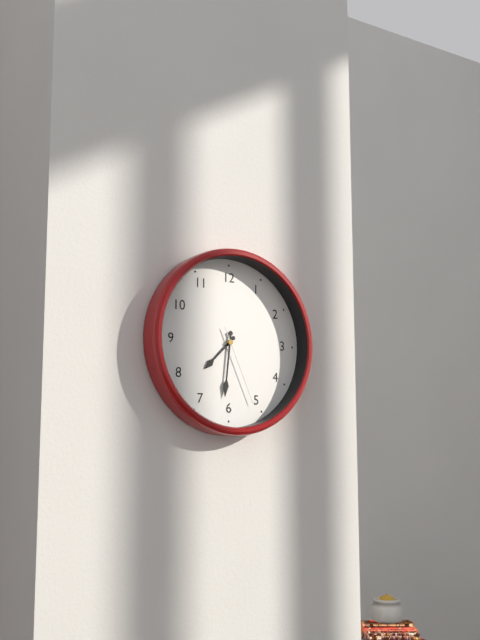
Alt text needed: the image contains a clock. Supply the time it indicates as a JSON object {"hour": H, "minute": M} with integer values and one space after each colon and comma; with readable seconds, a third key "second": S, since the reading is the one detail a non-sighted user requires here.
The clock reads {"hour": 7, "minute": 31, "second": 26}
